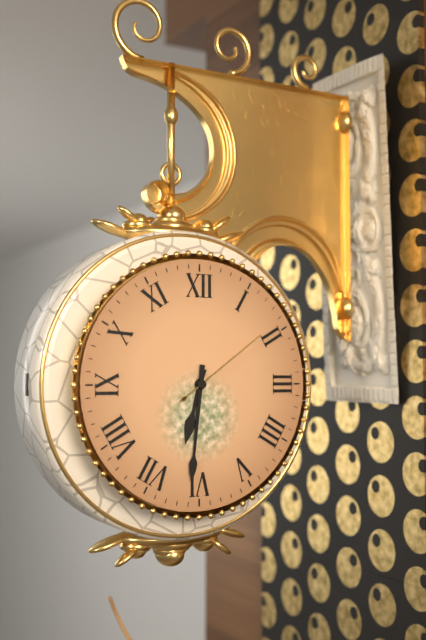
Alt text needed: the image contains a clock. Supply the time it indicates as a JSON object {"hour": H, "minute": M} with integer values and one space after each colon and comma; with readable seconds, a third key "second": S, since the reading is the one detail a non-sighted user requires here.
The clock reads {"hour": 6, "minute": 31, "second": 9}
